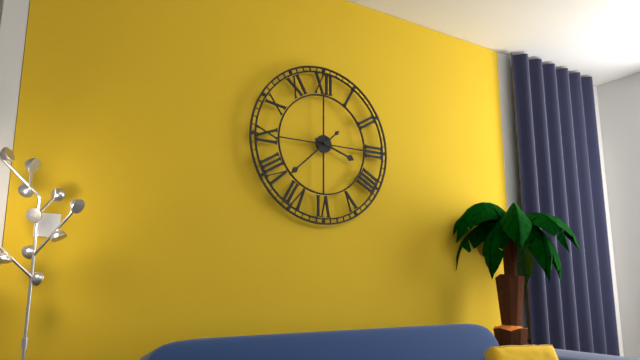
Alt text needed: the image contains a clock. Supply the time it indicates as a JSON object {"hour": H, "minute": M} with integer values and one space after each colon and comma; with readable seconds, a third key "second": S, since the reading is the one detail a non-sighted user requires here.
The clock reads {"hour": 3, "minute": 38}
